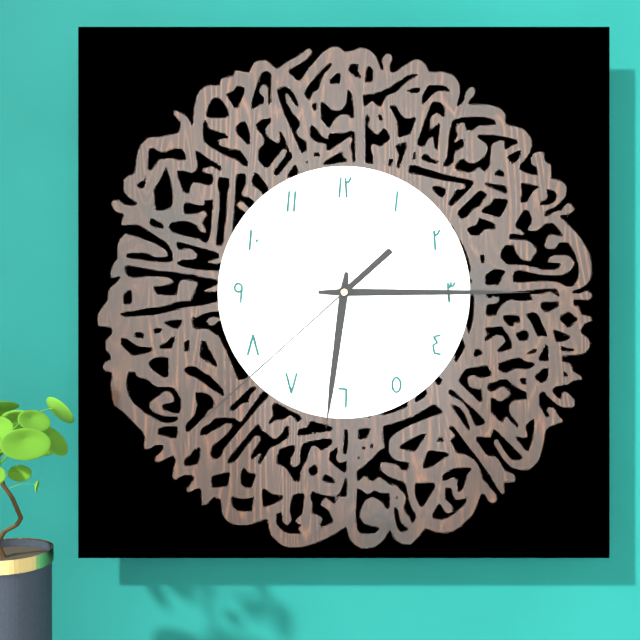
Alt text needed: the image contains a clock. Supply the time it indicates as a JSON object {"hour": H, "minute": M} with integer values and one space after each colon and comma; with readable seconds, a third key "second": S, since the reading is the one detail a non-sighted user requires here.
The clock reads {"hour": 6, "minute": 15, "second": 38}
